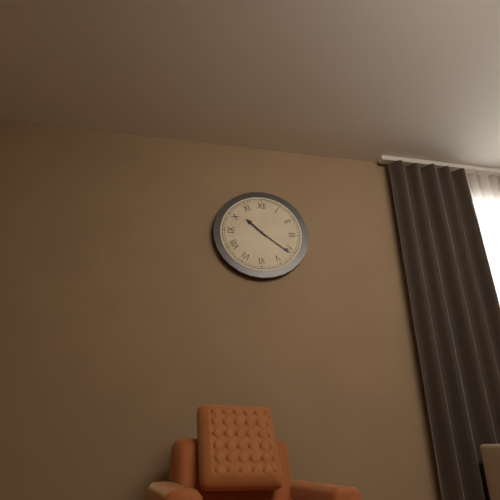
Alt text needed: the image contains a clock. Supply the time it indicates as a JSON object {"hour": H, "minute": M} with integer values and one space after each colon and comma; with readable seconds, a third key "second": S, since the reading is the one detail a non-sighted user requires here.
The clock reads {"hour": 10, "minute": 21}
